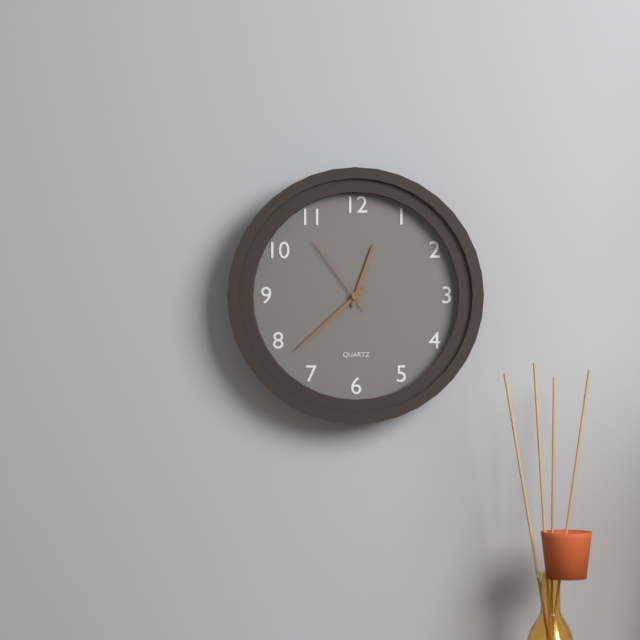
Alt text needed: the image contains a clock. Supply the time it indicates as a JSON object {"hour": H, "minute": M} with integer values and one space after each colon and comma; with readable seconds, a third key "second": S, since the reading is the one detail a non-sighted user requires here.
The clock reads {"hour": 12, "minute": 38, "second": 54}
